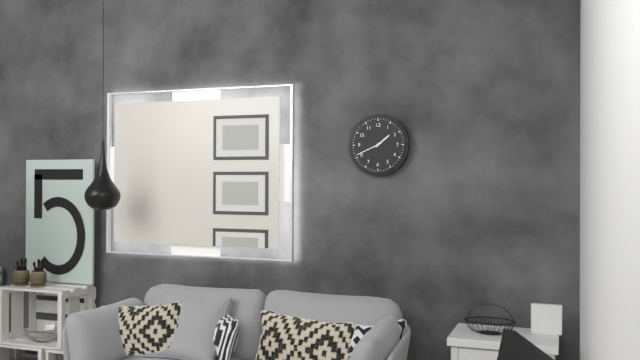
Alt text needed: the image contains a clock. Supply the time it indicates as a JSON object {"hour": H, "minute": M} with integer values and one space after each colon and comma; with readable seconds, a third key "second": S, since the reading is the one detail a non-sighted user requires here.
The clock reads {"hour": 1, "minute": 41}
